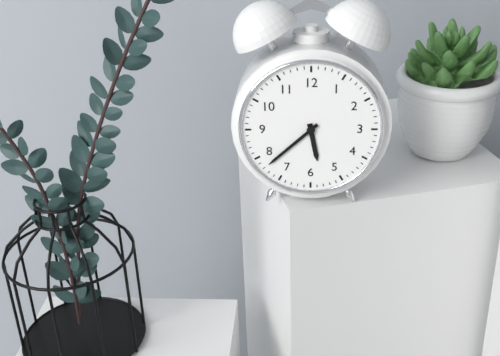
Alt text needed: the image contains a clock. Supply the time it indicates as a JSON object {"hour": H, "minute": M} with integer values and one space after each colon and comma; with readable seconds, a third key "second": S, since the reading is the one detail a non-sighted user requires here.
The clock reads {"hour": 5, "minute": 38}
